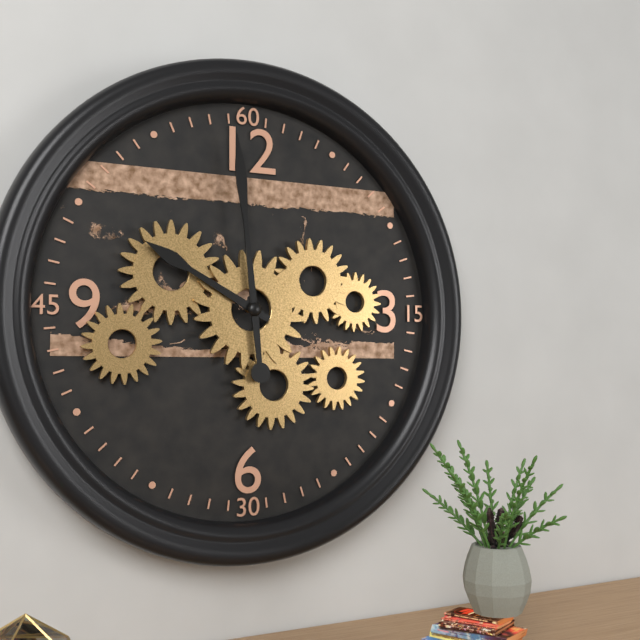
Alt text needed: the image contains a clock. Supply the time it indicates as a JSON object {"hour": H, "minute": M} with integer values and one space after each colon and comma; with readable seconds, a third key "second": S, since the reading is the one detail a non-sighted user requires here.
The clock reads {"hour": 9, "minute": 59}
